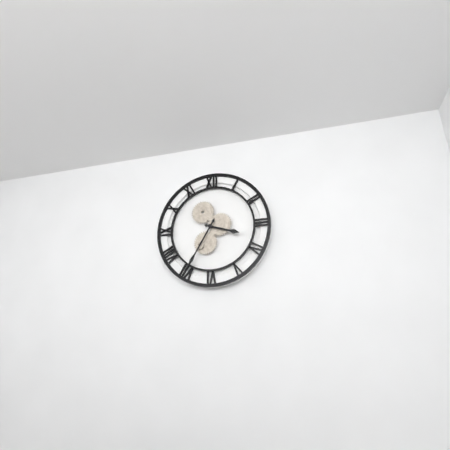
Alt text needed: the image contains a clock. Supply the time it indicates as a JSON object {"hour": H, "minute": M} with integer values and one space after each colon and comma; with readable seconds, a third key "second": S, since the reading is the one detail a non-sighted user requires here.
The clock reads {"hour": 3, "minute": 35}
